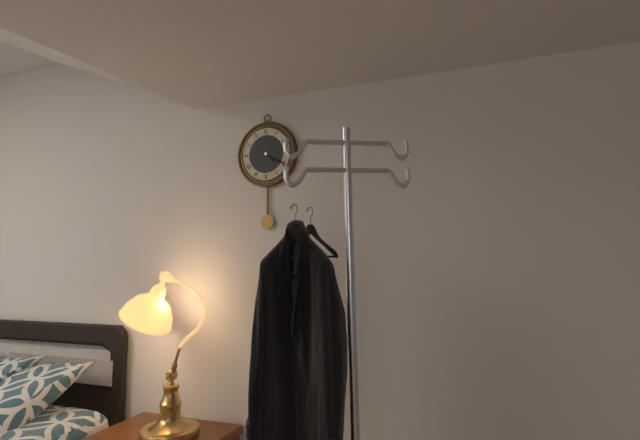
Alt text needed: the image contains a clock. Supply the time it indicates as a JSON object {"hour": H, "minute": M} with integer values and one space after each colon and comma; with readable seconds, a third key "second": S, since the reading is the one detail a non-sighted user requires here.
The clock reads {"hour": 4, "minute": 20}
